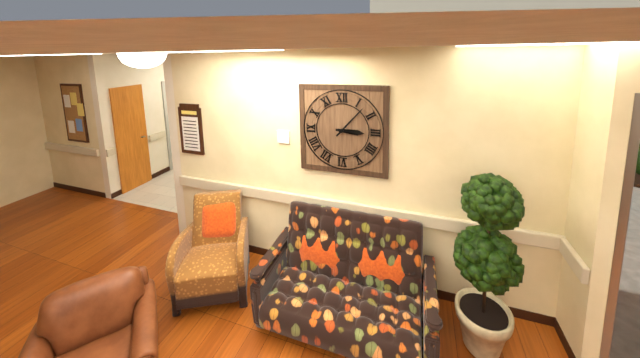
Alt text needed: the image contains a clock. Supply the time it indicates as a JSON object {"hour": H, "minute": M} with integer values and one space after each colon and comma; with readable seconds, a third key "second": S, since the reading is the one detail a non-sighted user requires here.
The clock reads {"hour": 3, "minute": 7}
